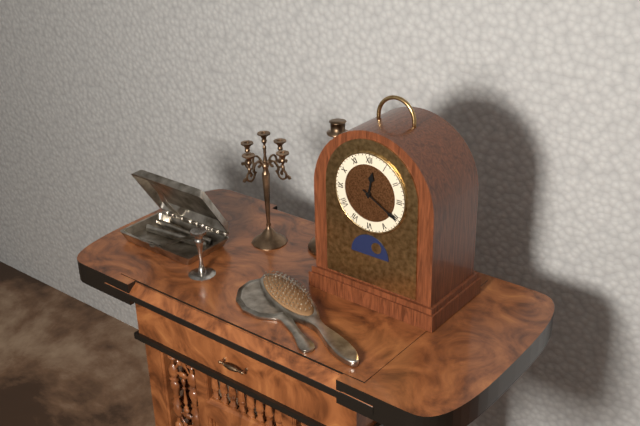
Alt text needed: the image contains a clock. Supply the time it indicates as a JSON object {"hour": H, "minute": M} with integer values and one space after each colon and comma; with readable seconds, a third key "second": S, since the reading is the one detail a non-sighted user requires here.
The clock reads {"hour": 12, "minute": 20}
